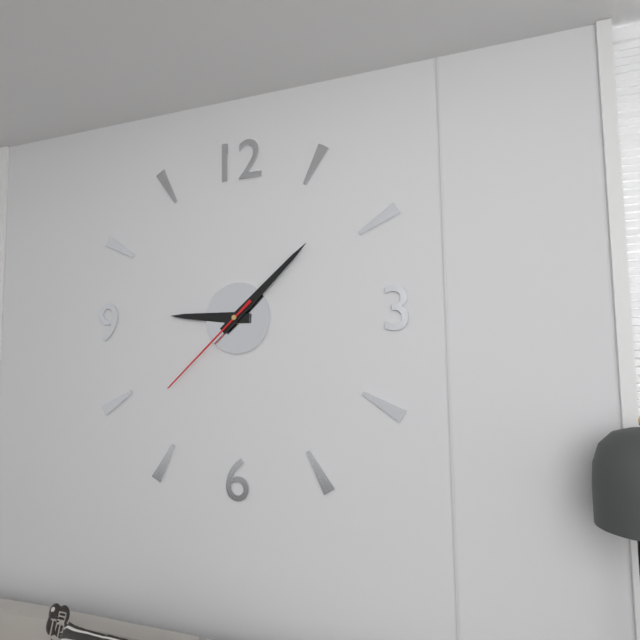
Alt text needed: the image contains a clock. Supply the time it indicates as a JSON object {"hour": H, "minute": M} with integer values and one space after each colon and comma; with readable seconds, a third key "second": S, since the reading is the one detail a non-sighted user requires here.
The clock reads {"hour": 9, "minute": 8, "second": 38}
